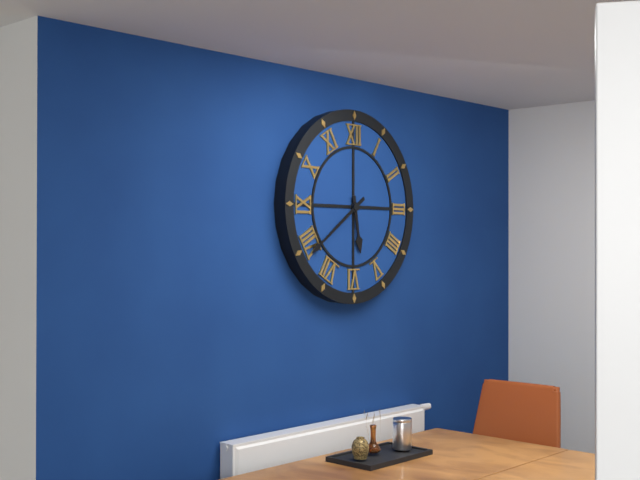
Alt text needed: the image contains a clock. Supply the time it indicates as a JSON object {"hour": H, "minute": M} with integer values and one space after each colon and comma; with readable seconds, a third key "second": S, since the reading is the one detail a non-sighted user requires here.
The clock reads {"hour": 5, "minute": 39}
